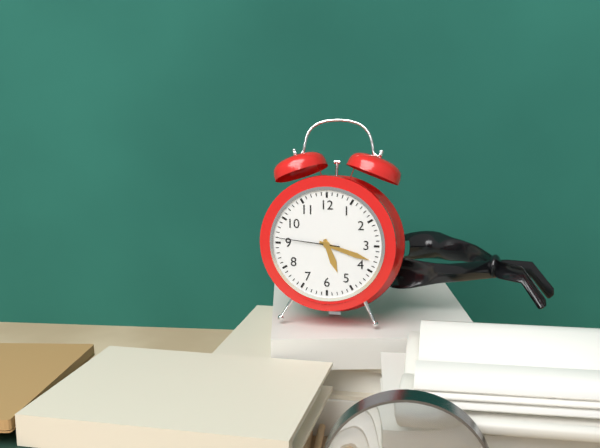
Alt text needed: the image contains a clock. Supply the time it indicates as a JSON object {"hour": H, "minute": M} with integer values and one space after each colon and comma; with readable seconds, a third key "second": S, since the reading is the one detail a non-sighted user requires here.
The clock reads {"hour": 5, "minute": 18, "second": 46}
